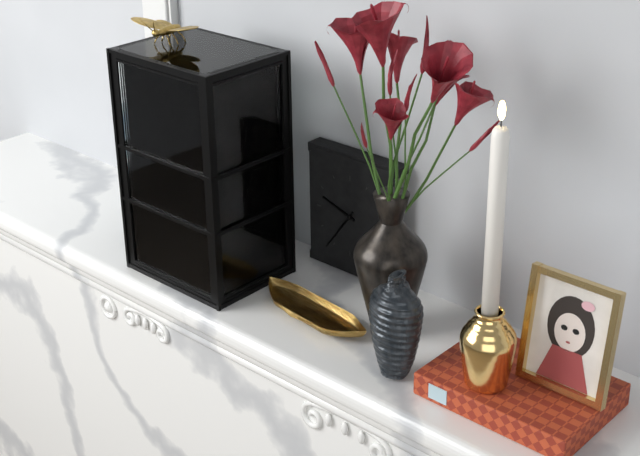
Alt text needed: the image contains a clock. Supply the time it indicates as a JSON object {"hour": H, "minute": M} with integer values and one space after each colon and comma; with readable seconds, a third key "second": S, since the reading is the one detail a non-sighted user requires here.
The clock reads {"hour": 9, "minute": 36}
